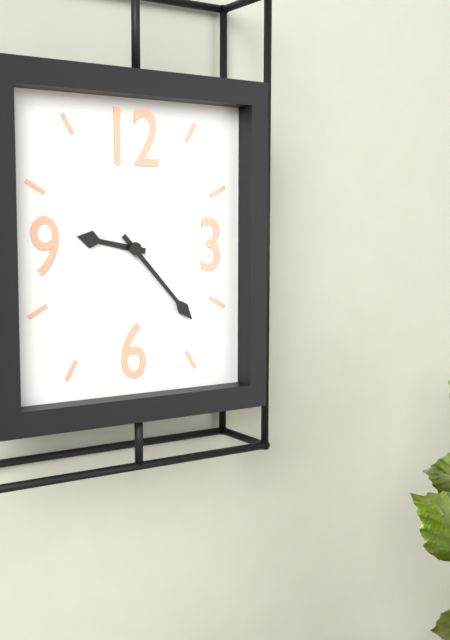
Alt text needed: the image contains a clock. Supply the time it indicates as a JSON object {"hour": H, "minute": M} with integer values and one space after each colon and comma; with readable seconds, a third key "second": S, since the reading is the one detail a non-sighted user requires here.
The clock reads {"hour": 9, "minute": 23}
